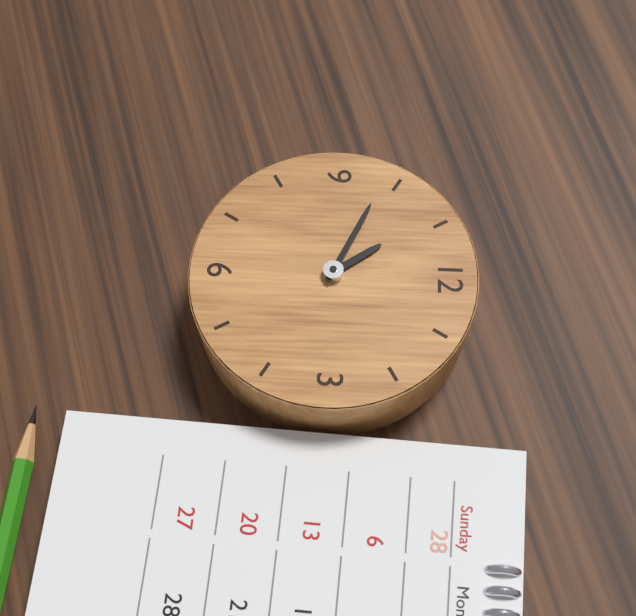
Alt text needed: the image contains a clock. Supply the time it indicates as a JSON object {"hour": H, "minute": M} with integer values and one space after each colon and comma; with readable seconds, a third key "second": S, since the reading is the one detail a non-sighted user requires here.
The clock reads {"hour": 10, "minute": 49}
